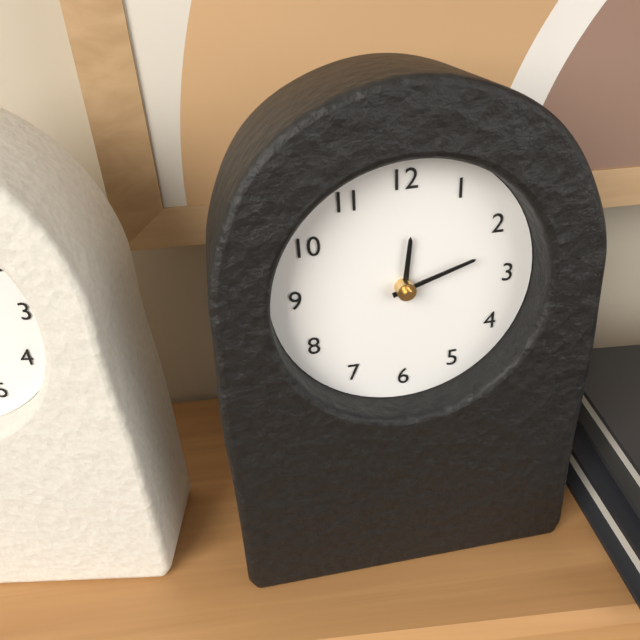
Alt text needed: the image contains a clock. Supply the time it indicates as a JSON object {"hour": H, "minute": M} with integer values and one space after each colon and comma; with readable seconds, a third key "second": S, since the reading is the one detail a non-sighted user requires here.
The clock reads {"hour": 12, "minute": 12}
